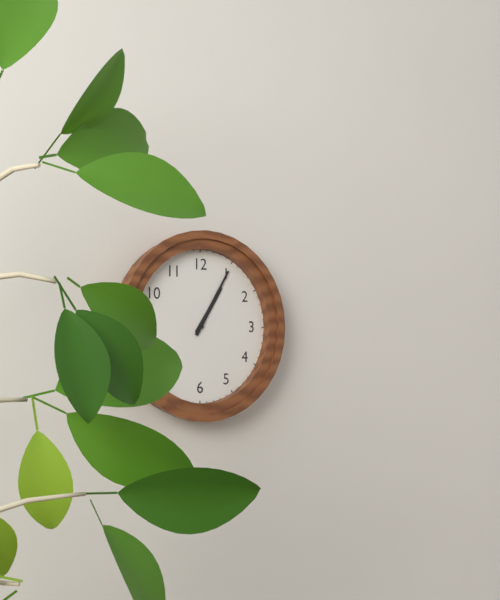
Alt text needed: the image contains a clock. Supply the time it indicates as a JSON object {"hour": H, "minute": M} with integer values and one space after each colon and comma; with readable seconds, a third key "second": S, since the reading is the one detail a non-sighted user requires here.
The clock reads {"hour": 1, "minute": 5}
